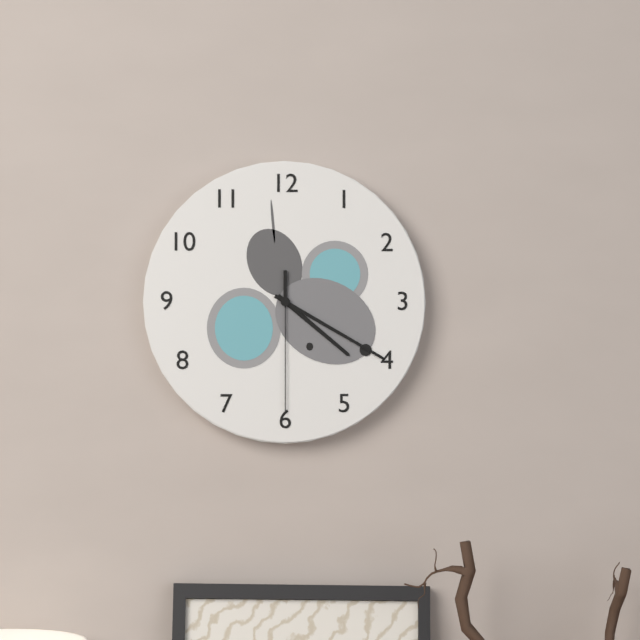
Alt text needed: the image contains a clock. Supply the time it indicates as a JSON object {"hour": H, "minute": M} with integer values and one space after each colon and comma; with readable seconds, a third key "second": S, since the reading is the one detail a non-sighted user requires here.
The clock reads {"hour": 4, "minute": 20, "second": 30}
